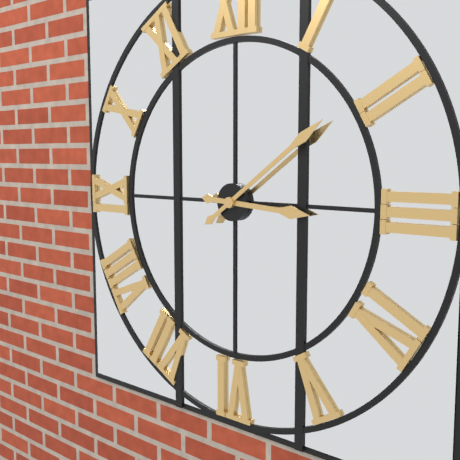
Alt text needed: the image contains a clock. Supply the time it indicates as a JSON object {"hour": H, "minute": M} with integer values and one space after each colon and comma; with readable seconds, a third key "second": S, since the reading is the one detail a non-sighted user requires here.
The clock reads {"hour": 3, "minute": 9}
